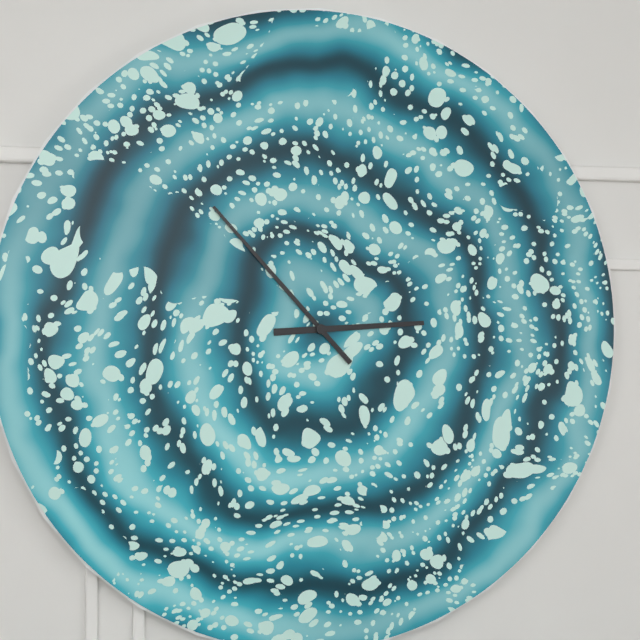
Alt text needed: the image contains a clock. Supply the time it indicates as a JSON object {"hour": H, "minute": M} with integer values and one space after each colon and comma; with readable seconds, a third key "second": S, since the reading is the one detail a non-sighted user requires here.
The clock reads {"hour": 2, "minute": 53}
